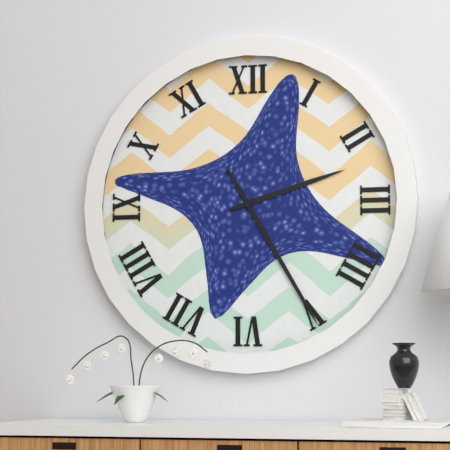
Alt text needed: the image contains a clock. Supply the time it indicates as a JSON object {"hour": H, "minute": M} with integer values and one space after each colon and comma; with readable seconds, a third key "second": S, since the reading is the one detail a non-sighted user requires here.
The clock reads {"hour": 2, "minute": 25}
